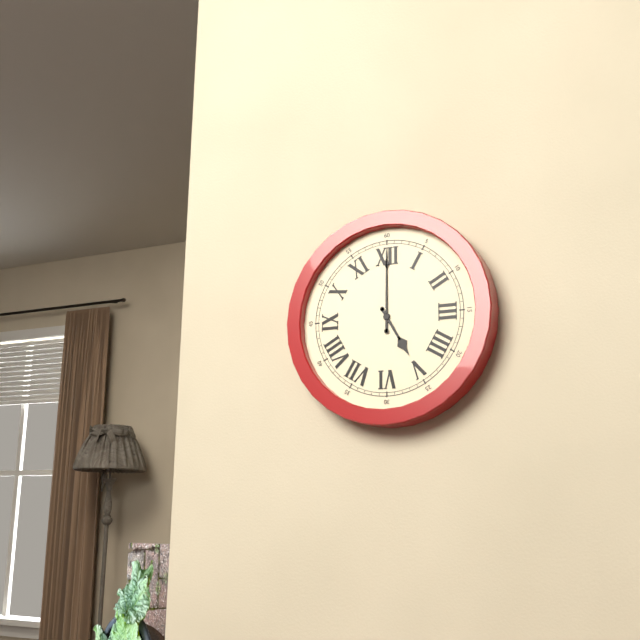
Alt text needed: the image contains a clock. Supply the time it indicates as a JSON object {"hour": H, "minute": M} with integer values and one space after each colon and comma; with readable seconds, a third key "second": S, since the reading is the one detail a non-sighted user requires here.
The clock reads {"hour": 5, "minute": 0}
